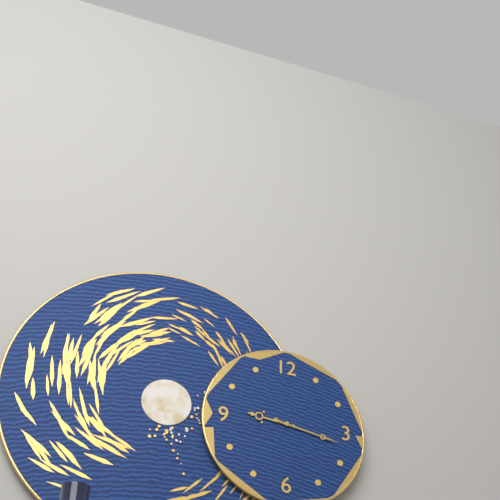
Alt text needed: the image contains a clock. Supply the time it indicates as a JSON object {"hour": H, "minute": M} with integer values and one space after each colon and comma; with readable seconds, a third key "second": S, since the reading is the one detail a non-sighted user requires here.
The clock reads {"hour": 9, "minute": 17}
